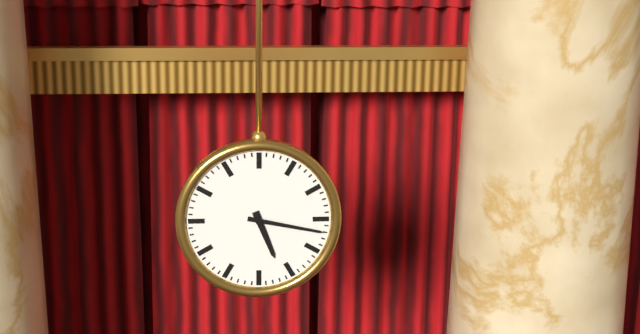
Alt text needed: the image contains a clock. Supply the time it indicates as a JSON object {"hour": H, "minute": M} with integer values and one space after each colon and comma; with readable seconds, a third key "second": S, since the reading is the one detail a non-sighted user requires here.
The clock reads {"hour": 5, "minute": 17}
